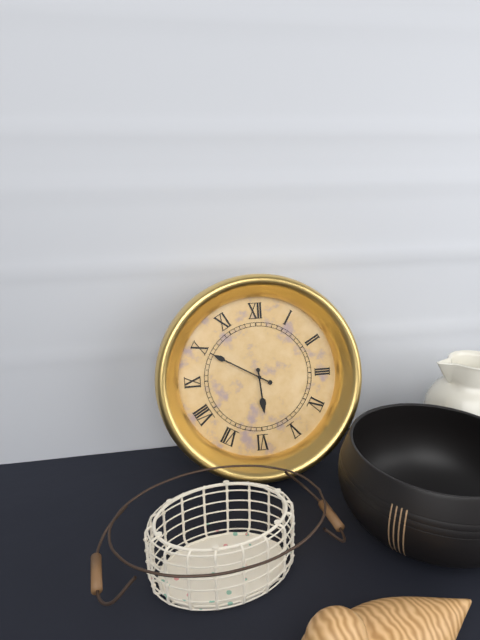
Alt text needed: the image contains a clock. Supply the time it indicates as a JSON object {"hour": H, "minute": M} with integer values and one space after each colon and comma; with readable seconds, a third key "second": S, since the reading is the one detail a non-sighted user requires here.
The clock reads {"hour": 5, "minute": 50}
